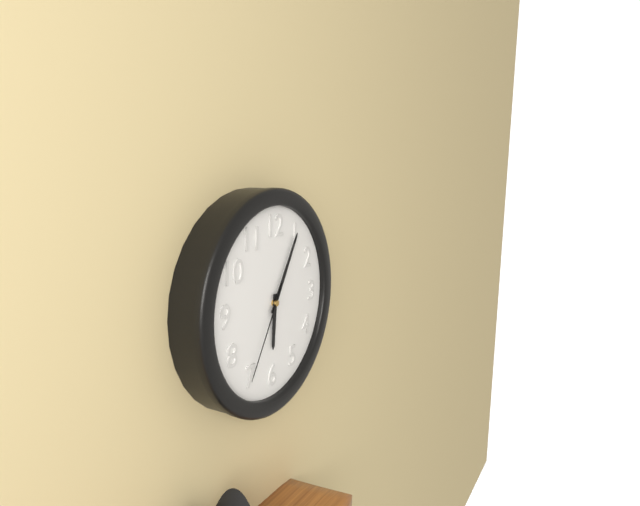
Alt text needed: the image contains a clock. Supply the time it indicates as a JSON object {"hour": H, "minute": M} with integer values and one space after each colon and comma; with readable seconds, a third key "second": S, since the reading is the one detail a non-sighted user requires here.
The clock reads {"hour": 6, "minute": 5, "second": 35}
